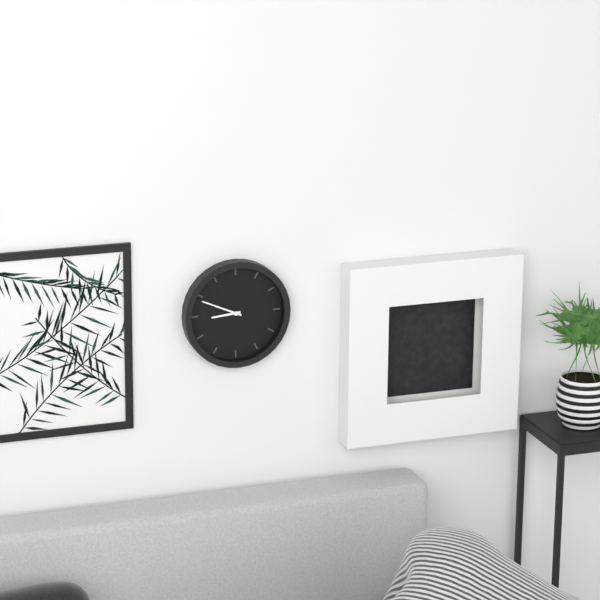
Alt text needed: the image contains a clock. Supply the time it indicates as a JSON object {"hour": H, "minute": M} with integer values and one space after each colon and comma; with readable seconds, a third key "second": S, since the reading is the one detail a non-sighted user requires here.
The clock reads {"hour": 8, "minute": 49}
